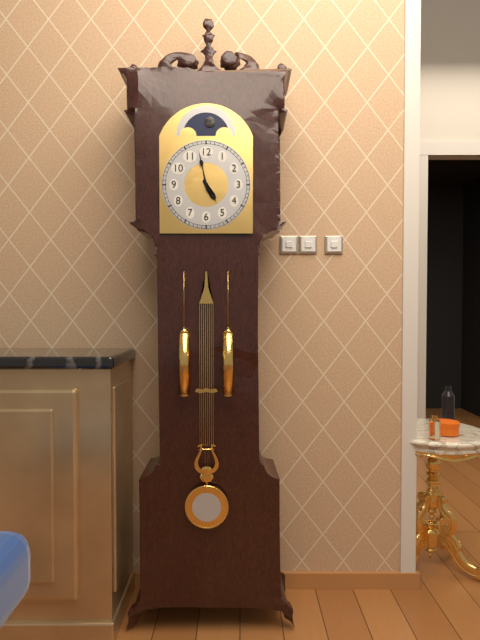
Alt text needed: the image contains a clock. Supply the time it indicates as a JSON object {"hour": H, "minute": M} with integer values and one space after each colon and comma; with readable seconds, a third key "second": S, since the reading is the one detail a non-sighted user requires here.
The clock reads {"hour": 4, "minute": 58}
